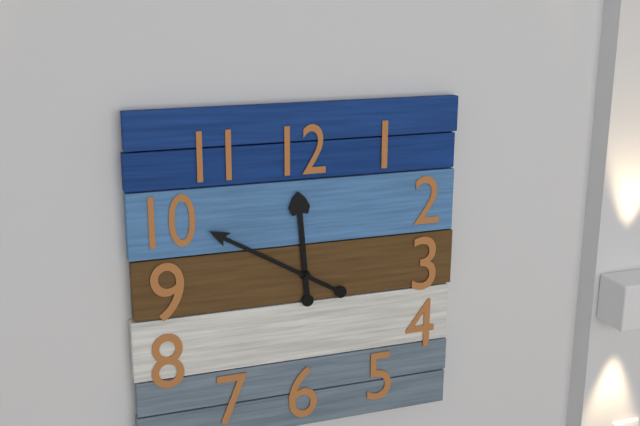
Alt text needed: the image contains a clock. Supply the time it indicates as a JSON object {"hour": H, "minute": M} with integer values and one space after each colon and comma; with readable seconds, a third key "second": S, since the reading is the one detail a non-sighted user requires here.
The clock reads {"hour": 11, "minute": 50}
